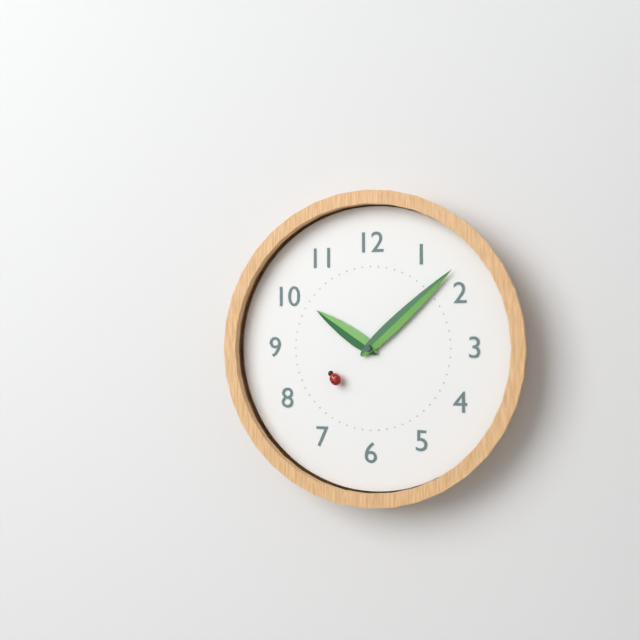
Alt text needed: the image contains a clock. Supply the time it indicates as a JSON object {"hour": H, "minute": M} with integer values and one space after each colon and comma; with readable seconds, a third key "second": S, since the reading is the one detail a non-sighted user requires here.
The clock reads {"hour": 10, "minute": 8, "second": 38}
